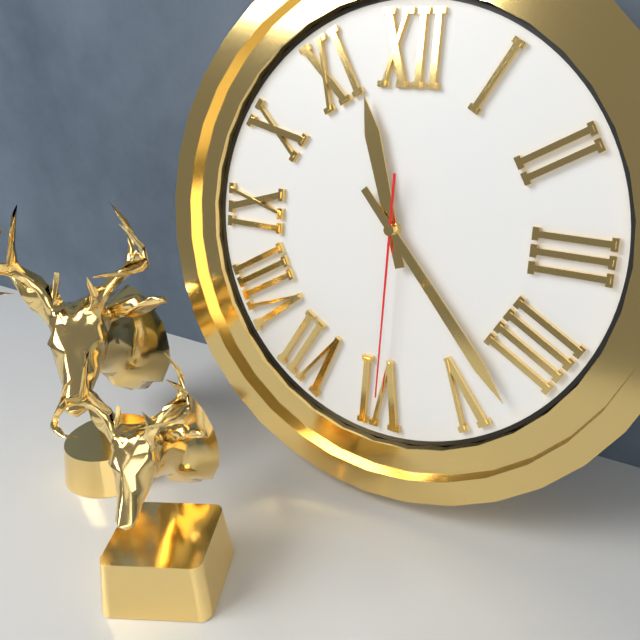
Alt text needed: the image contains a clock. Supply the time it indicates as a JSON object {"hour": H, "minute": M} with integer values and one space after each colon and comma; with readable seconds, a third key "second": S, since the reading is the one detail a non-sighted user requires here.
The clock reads {"hour": 11, "minute": 23, "second": 30}
